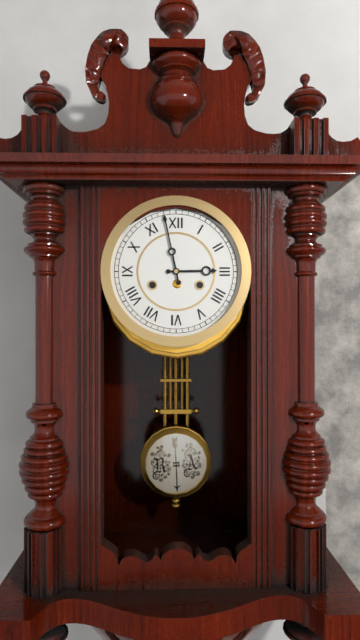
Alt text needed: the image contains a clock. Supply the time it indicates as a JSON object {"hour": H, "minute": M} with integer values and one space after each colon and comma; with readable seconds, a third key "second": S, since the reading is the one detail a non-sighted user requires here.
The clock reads {"hour": 2, "minute": 58}
